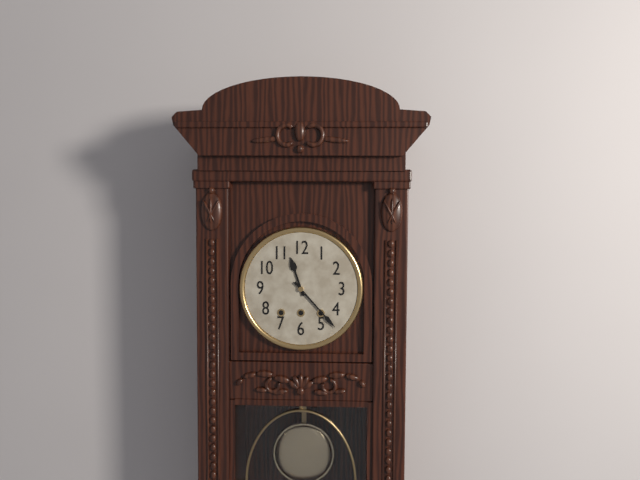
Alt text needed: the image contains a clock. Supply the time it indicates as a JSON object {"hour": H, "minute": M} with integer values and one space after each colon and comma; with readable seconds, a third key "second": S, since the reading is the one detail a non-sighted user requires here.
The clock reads {"hour": 11, "minute": 23}
